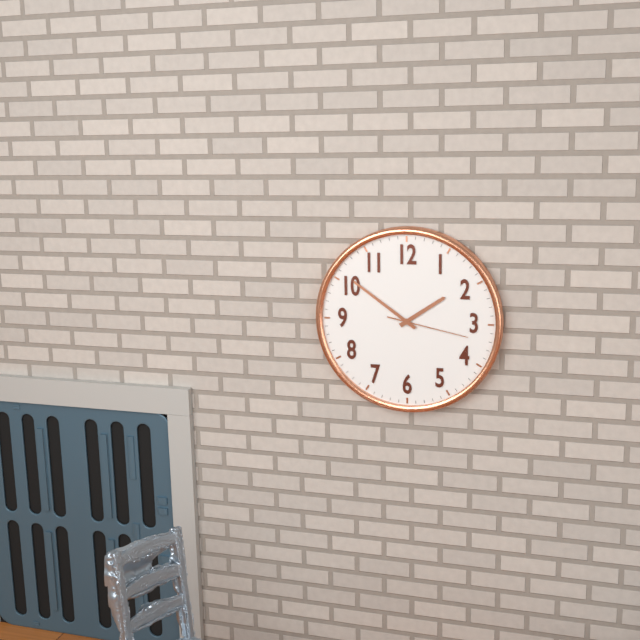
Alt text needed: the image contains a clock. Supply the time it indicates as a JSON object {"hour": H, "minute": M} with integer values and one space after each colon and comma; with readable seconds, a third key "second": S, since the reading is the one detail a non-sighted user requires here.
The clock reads {"hour": 1, "minute": 51, "second": 17}
